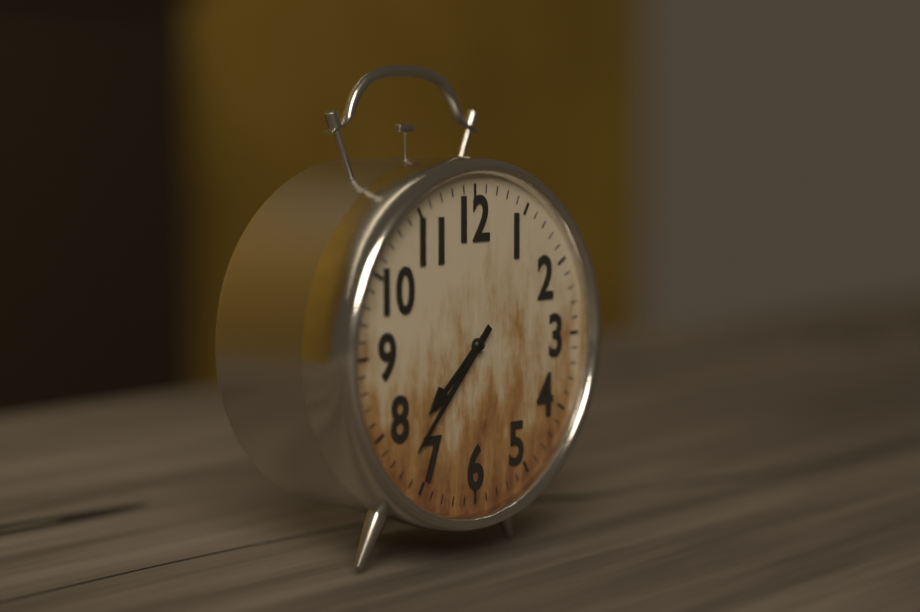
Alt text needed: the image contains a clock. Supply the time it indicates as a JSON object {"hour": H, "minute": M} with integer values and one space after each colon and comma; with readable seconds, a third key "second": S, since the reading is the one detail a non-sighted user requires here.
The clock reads {"hour": 7, "minute": 37}
